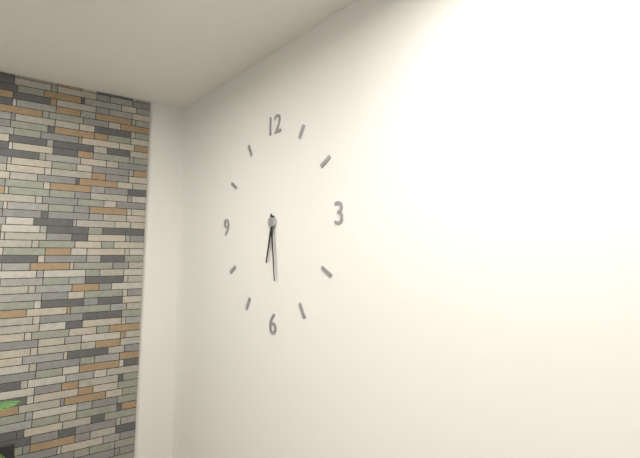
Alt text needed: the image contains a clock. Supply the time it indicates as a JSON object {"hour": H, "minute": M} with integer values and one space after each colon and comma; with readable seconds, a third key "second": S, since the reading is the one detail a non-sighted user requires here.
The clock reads {"hour": 6, "minute": 29}
